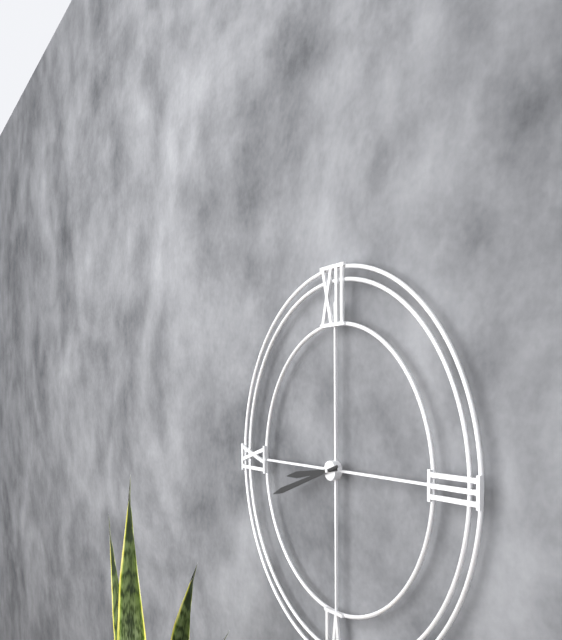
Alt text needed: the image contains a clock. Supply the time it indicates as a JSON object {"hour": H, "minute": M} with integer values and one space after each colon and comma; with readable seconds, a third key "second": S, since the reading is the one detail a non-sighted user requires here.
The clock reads {"hour": 8, "minute": 42}
